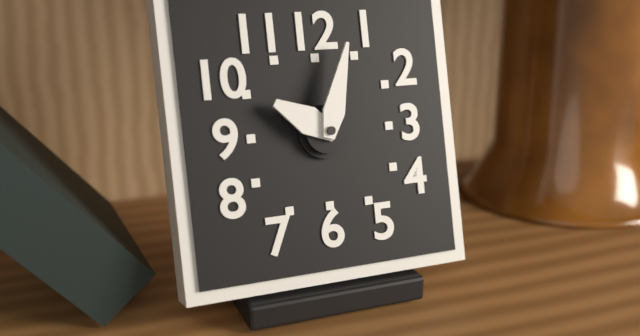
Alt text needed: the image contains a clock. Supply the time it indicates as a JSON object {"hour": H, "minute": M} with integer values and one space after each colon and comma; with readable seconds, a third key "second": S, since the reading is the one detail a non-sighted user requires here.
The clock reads {"hour": 10, "minute": 3}
